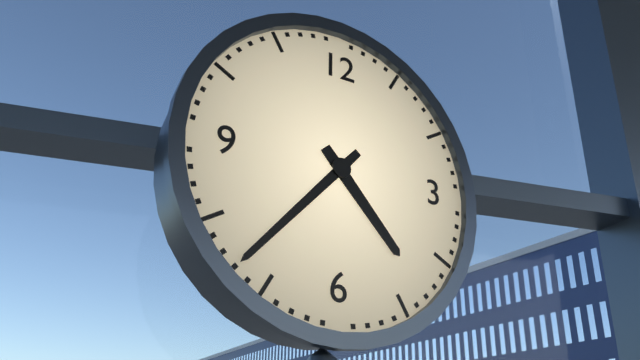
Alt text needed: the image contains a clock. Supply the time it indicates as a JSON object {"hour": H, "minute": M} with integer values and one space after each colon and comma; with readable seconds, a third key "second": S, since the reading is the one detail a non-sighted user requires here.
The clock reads {"hour": 4, "minute": 37}
